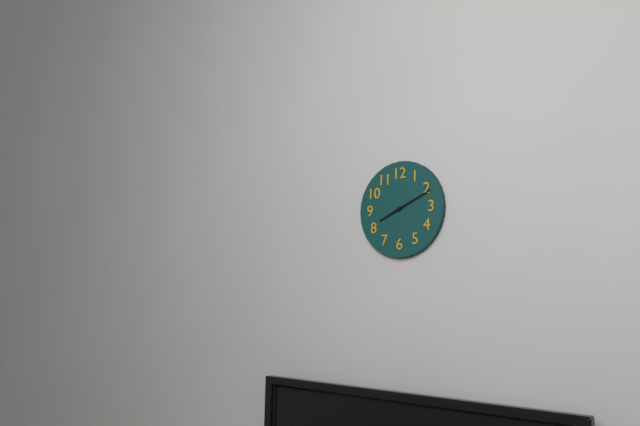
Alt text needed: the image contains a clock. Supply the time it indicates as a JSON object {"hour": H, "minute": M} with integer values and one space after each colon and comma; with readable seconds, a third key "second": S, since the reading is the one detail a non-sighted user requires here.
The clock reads {"hour": 8, "minute": 11}
